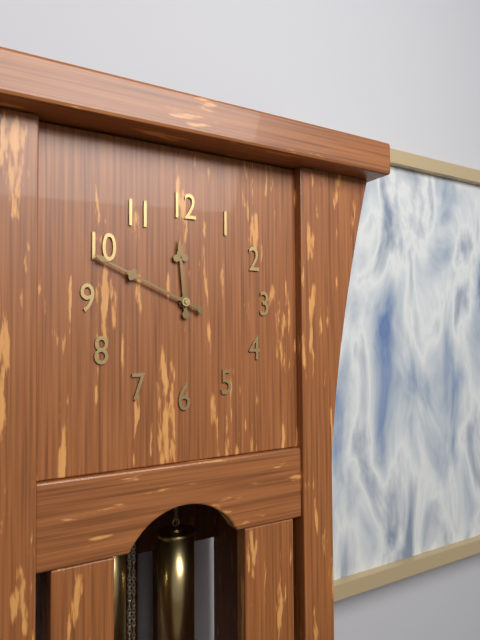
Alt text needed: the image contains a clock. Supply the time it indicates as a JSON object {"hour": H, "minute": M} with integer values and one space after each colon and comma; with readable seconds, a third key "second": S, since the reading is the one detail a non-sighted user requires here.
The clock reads {"hour": 11, "minute": 49}
